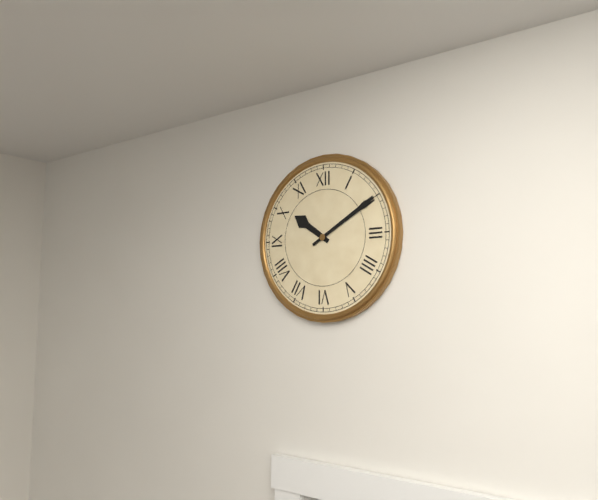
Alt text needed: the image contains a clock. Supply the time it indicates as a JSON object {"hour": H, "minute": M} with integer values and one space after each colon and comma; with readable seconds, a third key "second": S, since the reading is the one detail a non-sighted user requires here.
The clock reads {"hour": 10, "minute": 10}
